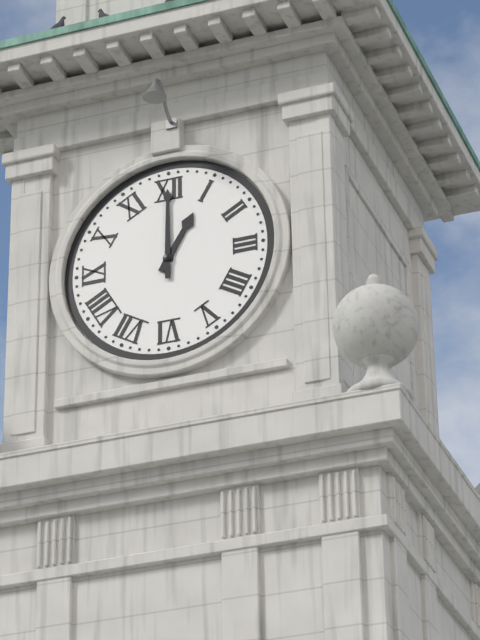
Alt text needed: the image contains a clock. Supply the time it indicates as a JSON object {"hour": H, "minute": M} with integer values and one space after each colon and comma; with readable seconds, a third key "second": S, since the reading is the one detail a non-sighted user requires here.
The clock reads {"hour": 1, "minute": 0}
